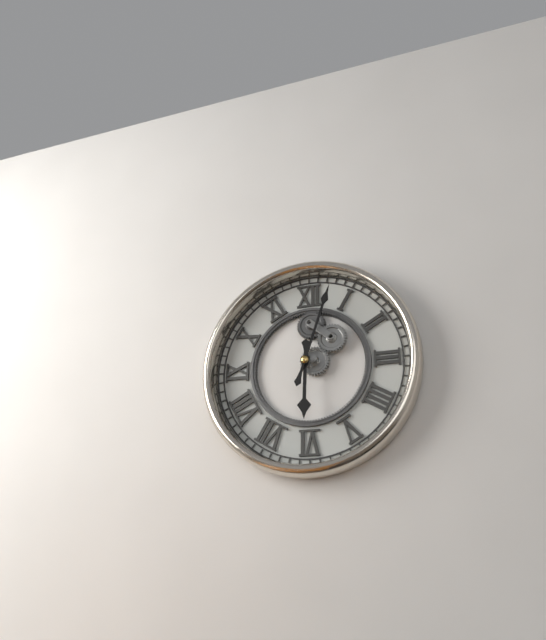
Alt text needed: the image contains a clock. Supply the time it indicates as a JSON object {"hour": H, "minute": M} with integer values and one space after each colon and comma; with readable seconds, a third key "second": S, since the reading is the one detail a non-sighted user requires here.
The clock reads {"hour": 6, "minute": 3}
